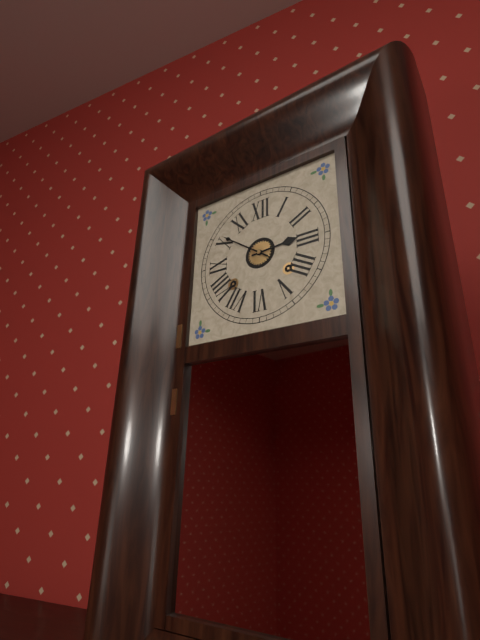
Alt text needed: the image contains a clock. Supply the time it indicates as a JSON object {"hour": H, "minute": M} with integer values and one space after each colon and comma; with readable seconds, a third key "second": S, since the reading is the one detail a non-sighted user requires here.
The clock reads {"hour": 2, "minute": 51}
